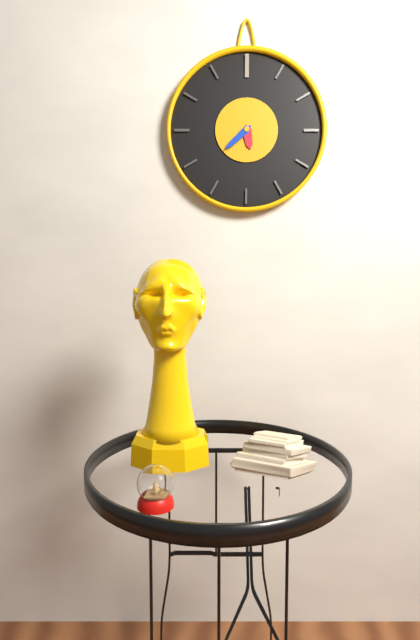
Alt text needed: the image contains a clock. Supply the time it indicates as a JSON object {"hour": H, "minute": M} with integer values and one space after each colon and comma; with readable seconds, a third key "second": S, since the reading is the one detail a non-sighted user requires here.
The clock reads {"hour": 5, "minute": 38}
